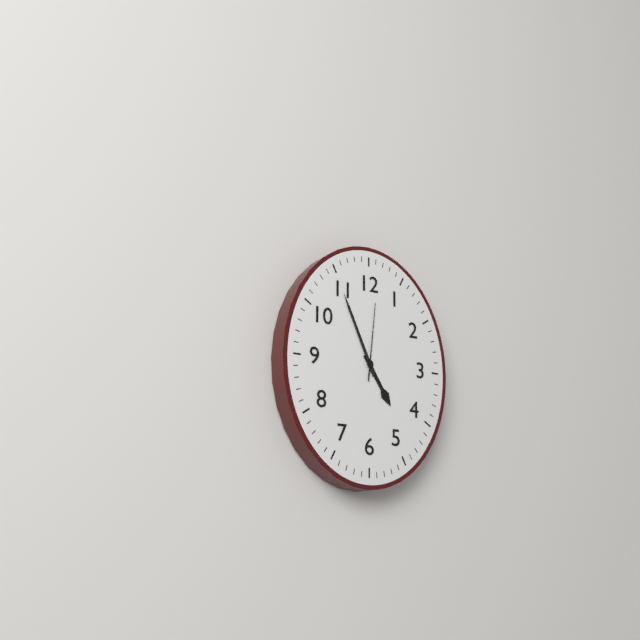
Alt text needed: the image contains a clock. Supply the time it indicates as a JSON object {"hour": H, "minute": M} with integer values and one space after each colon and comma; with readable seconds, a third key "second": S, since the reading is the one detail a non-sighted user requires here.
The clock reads {"hour": 4, "minute": 56, "second": 1}
